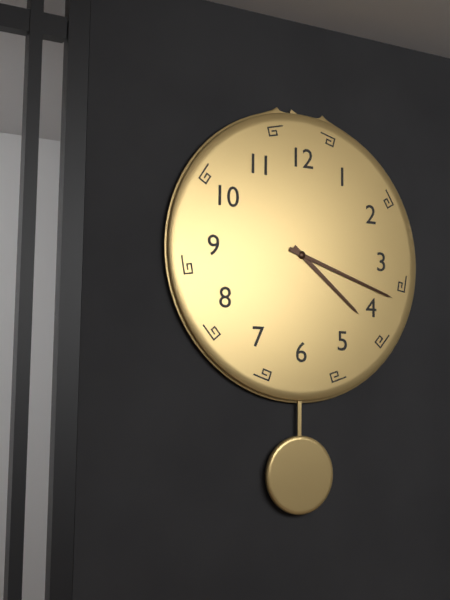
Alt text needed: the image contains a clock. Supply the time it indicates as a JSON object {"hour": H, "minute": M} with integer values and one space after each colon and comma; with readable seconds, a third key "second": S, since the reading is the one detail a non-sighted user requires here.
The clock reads {"hour": 4, "minute": 18}
